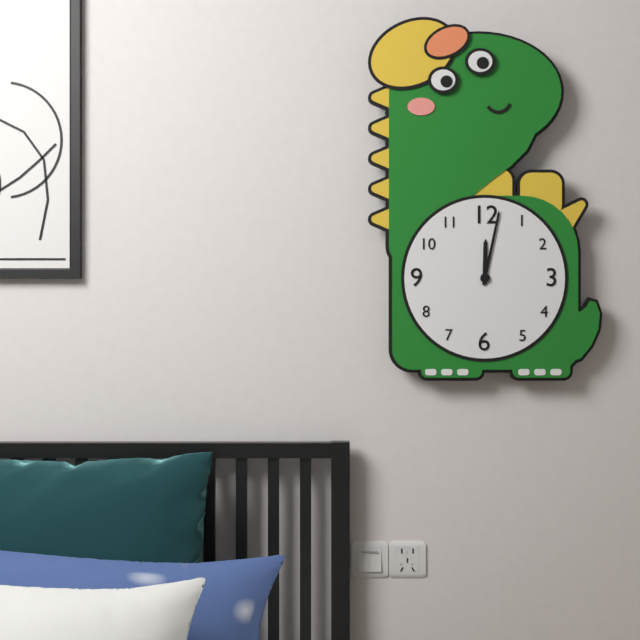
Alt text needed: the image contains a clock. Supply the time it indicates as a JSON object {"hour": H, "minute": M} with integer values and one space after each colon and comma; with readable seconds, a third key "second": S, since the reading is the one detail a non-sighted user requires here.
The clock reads {"hour": 12, "minute": 2}
